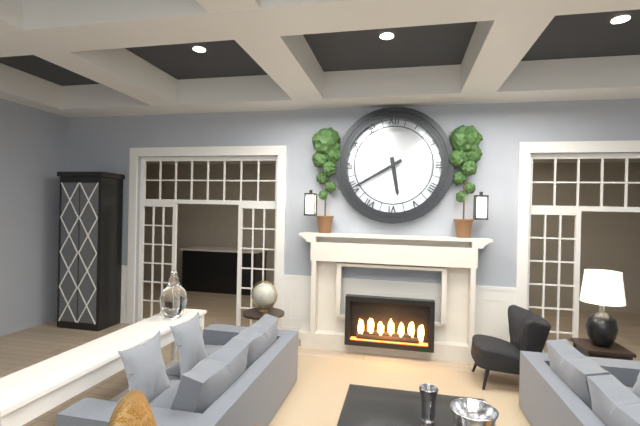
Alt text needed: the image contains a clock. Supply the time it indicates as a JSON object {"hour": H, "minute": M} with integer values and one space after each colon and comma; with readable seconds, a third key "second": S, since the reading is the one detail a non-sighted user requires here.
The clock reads {"hour": 5, "minute": 40}
